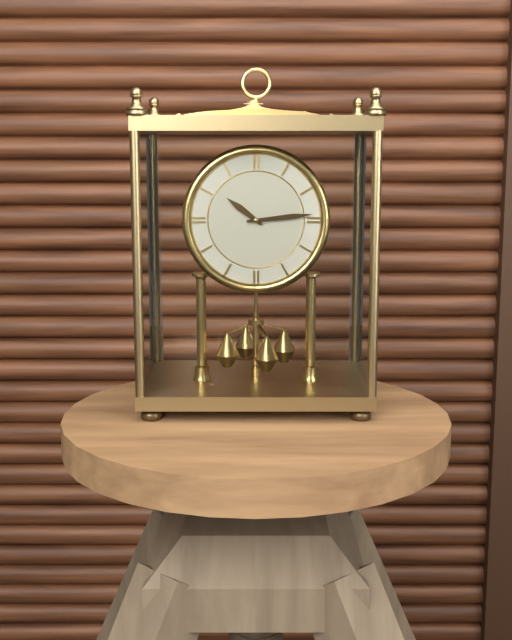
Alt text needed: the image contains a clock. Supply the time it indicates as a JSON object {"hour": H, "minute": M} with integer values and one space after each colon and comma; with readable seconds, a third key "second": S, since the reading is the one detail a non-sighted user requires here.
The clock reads {"hour": 10, "minute": 14}
